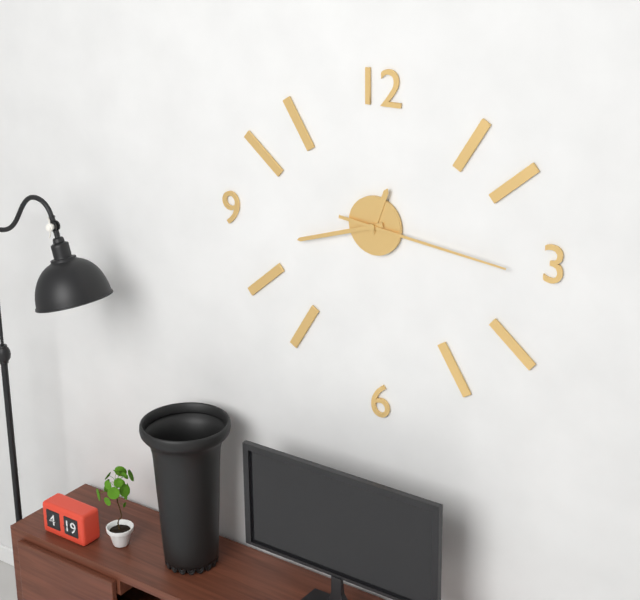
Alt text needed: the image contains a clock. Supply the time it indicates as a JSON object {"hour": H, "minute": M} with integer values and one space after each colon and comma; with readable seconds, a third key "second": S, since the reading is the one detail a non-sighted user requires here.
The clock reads {"hour": 12, "minute": 42, "second": 16}
